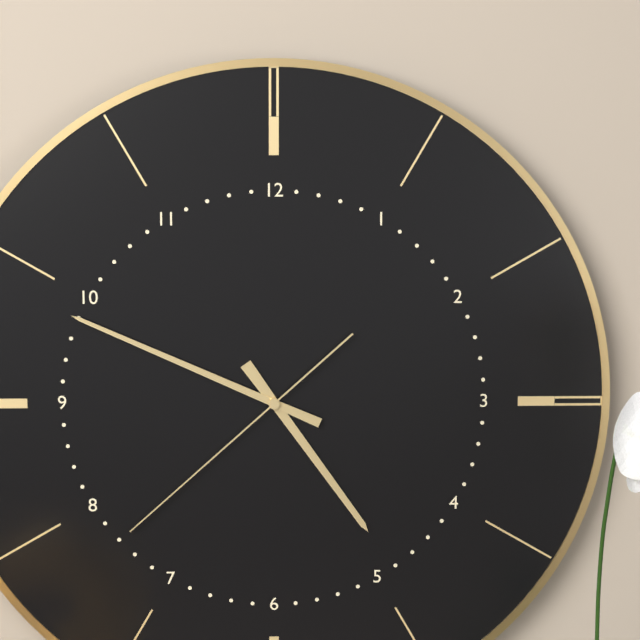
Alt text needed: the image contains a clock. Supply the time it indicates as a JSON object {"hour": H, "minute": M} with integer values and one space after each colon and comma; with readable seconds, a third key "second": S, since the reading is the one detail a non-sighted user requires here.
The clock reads {"hour": 4, "minute": 49, "second": 38}
